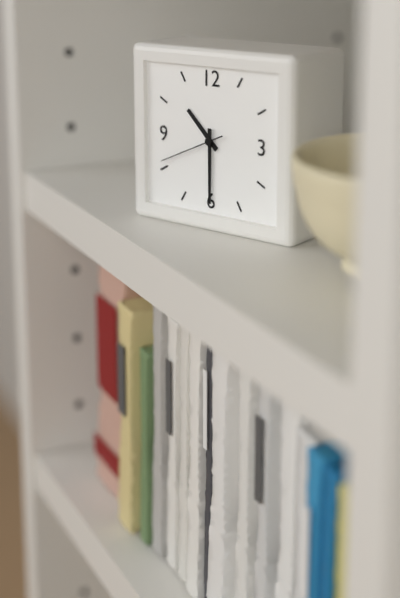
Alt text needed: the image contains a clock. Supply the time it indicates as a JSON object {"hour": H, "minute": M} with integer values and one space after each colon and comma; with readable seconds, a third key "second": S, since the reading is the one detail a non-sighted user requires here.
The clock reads {"hour": 10, "minute": 30, "second": 41}
